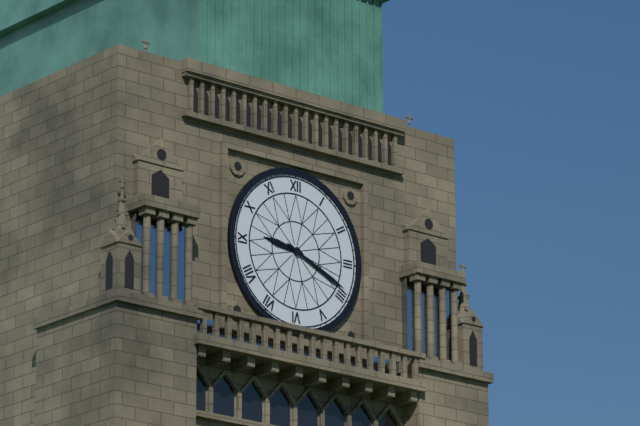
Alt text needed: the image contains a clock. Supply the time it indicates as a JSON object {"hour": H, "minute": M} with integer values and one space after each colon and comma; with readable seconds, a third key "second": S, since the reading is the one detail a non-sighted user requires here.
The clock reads {"hour": 9, "minute": 19}
